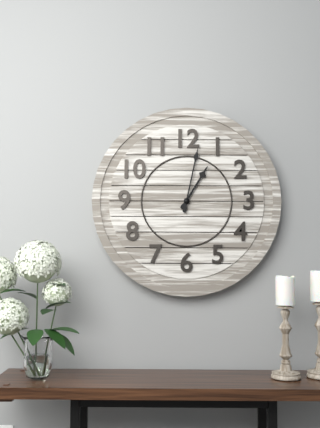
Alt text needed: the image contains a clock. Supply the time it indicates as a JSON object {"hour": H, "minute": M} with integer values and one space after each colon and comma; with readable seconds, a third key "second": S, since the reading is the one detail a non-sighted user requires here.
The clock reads {"hour": 1, "minute": 2}
